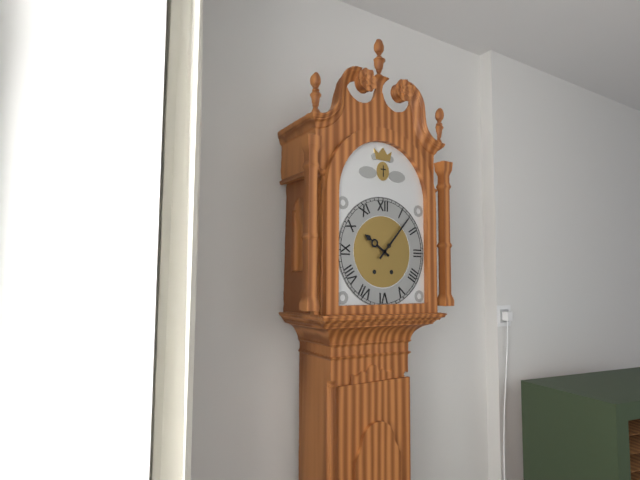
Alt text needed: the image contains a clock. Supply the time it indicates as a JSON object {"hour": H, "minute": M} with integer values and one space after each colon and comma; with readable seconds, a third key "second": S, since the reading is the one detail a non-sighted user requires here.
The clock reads {"hour": 10, "minute": 7}
